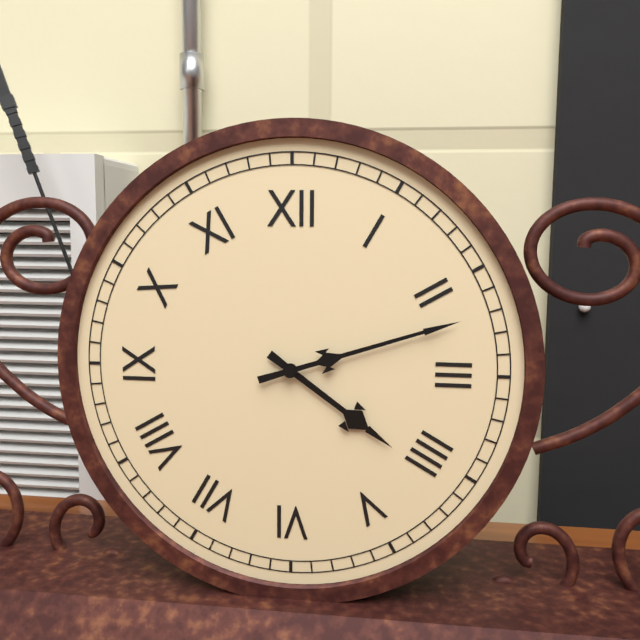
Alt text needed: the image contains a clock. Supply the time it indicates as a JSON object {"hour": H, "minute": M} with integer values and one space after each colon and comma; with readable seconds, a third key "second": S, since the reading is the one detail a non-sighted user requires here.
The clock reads {"hour": 4, "minute": 12}
